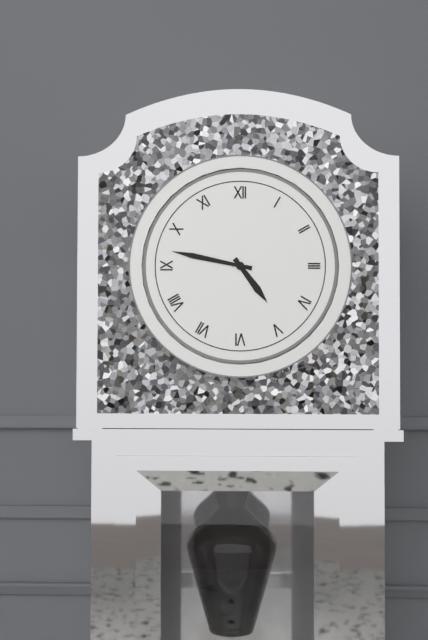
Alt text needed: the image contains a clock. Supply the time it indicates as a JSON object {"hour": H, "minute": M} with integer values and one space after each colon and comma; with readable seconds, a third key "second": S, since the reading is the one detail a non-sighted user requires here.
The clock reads {"hour": 4, "minute": 47}
